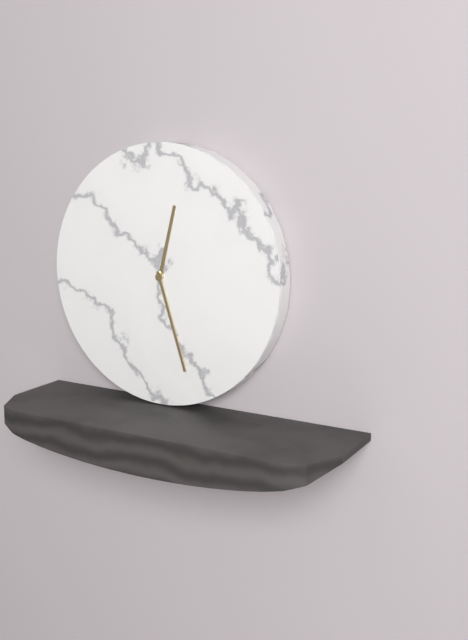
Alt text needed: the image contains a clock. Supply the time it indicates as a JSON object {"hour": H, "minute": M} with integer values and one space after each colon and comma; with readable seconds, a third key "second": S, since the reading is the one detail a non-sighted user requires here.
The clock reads {"hour": 12, "minute": 27}
